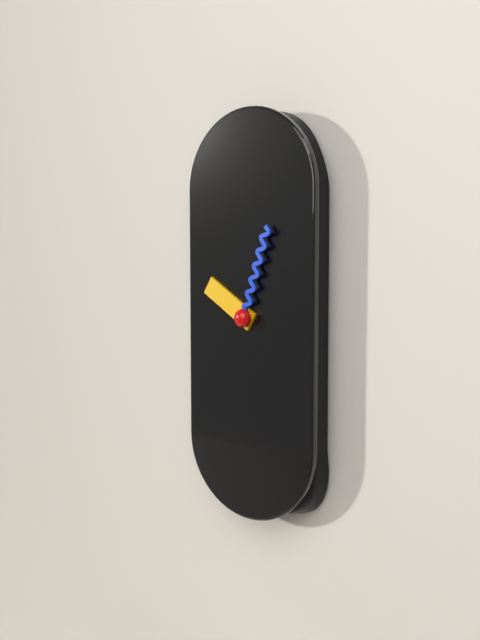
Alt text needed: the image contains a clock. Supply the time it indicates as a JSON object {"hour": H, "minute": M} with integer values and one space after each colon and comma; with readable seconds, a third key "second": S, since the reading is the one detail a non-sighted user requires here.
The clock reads {"hour": 10, "minute": 3}
